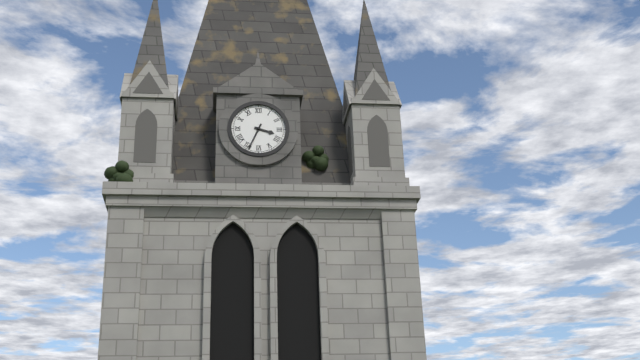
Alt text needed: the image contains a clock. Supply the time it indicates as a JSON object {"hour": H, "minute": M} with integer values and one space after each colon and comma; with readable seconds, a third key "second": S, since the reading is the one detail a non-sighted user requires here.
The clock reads {"hour": 3, "minute": 34}
